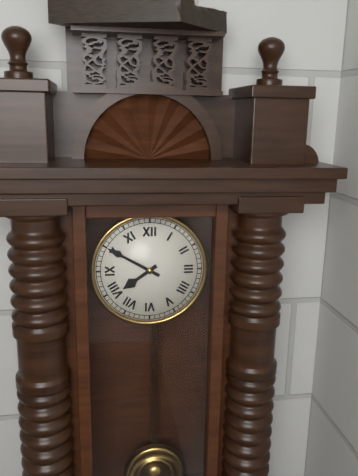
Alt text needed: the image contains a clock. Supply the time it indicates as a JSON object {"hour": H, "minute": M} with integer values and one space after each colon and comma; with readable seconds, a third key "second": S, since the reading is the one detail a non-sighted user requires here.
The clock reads {"hour": 7, "minute": 50}
